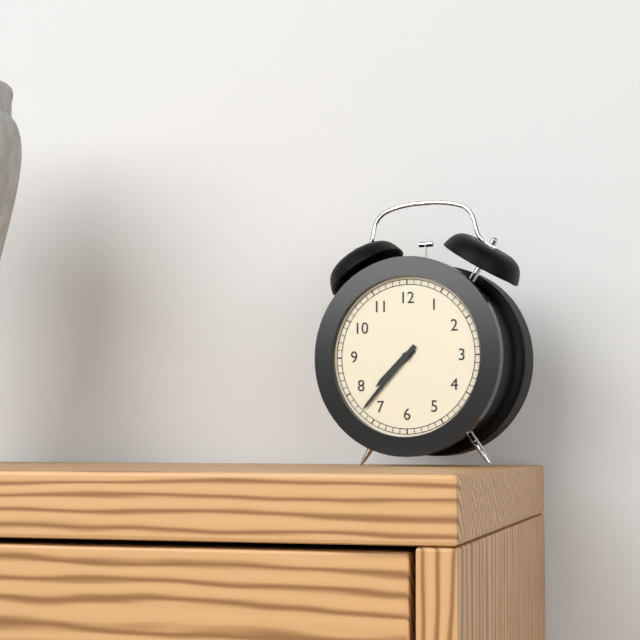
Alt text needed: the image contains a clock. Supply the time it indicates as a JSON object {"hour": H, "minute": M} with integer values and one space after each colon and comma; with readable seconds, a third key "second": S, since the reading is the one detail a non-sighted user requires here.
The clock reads {"hour": 7, "minute": 37}
